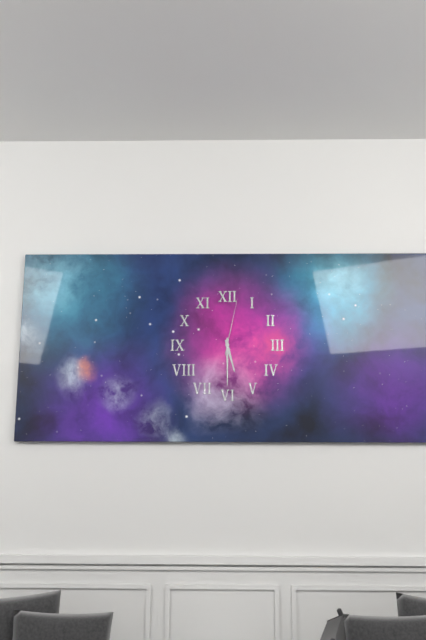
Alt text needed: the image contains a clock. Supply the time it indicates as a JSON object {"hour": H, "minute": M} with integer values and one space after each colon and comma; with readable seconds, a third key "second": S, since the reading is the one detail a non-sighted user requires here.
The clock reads {"hour": 5, "minute": 30, "second": 2}
